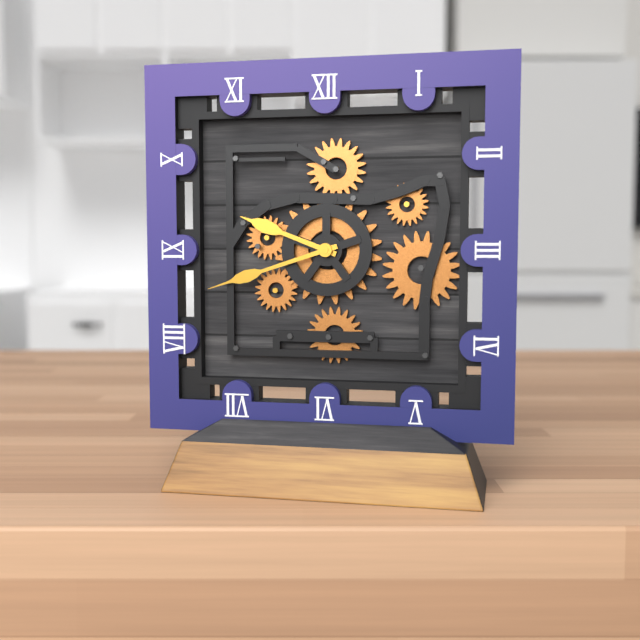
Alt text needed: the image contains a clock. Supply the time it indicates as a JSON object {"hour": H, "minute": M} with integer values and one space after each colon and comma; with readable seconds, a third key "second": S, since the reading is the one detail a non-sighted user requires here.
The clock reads {"hour": 9, "minute": 42}
